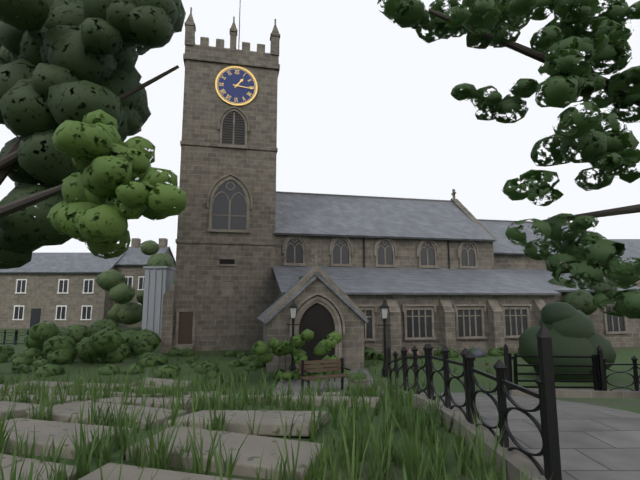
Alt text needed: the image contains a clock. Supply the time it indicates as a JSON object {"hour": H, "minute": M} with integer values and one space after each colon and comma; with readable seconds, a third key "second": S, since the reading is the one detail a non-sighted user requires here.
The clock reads {"hour": 1, "minute": 16}
